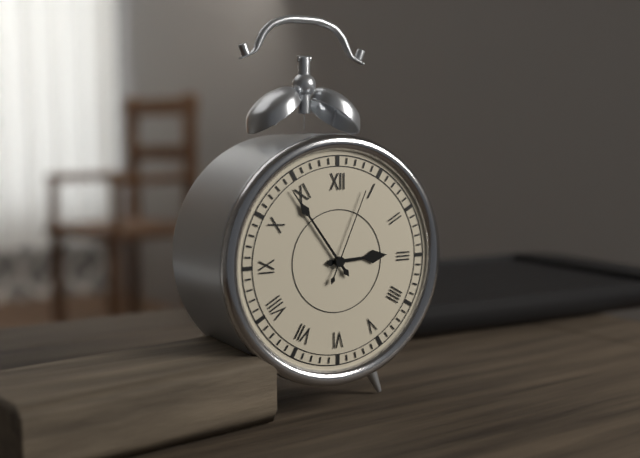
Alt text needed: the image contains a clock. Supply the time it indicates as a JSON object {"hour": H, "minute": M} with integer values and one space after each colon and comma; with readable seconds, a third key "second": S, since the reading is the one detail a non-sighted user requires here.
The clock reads {"hour": 2, "minute": 54, "second": 4}
